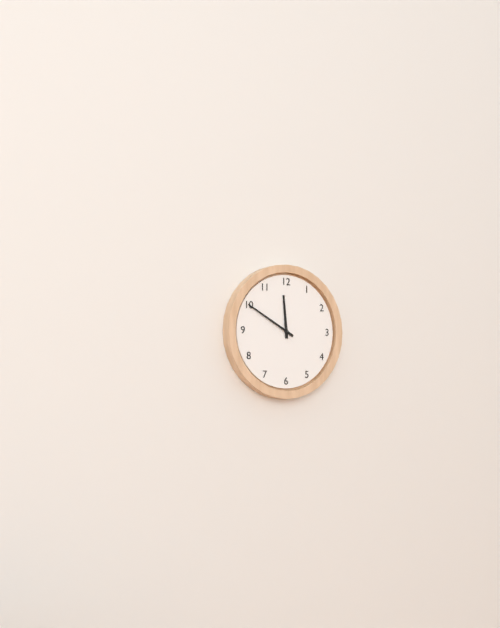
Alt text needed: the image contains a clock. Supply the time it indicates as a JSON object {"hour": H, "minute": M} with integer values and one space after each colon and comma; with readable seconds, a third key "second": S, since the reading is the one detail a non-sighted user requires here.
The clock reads {"hour": 11, "minute": 50}
